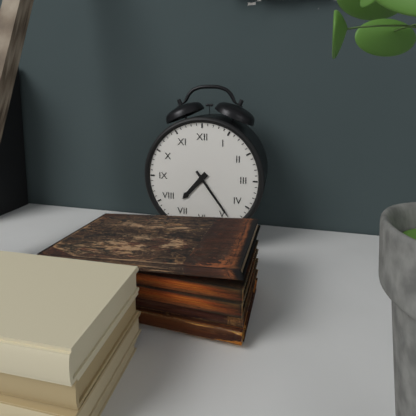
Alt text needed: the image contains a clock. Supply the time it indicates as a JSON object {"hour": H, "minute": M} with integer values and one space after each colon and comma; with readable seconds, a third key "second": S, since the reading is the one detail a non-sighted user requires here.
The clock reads {"hour": 7, "minute": 24}
